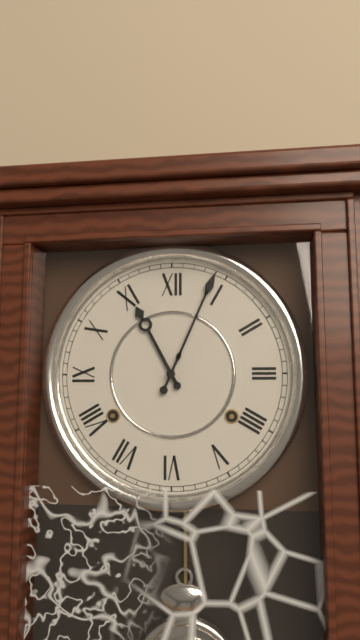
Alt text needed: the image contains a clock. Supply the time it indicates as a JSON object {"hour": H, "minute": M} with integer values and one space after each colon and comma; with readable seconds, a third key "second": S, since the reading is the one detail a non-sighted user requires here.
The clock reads {"hour": 11, "minute": 4}
